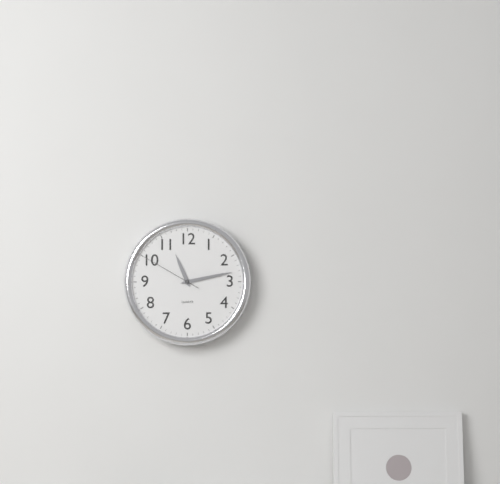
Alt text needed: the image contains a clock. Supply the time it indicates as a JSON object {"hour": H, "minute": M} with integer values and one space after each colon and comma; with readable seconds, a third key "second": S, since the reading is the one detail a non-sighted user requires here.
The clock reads {"hour": 11, "minute": 13, "second": 50}
